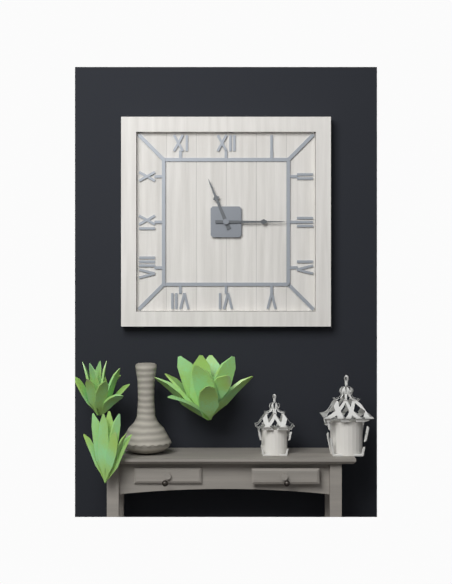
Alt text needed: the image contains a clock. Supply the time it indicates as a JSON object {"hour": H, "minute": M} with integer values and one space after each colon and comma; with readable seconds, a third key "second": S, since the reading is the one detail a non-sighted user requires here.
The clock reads {"hour": 11, "minute": 15}
